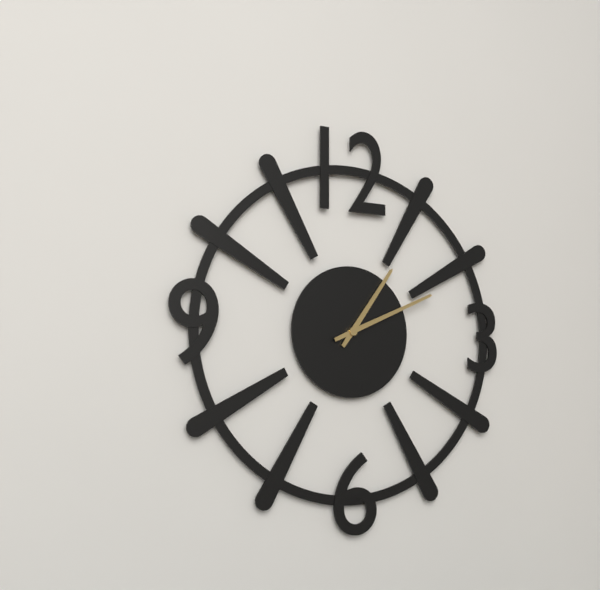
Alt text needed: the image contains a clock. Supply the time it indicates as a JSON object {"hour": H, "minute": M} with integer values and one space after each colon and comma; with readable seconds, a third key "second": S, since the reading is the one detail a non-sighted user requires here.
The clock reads {"hour": 1, "minute": 11}
